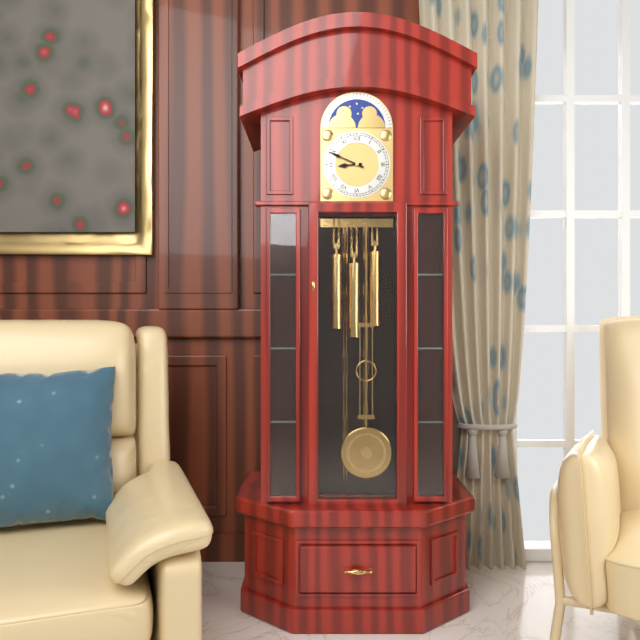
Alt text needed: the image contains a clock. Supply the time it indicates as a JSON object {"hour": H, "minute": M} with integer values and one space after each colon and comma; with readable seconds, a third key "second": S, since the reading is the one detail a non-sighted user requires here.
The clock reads {"hour": 8, "minute": 49}
